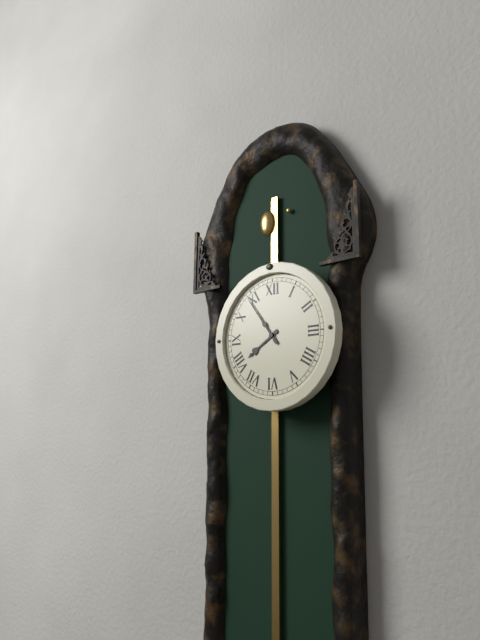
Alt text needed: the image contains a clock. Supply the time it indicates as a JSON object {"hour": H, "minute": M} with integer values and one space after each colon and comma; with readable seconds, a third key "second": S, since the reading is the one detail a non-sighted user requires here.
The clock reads {"hour": 7, "minute": 54}
